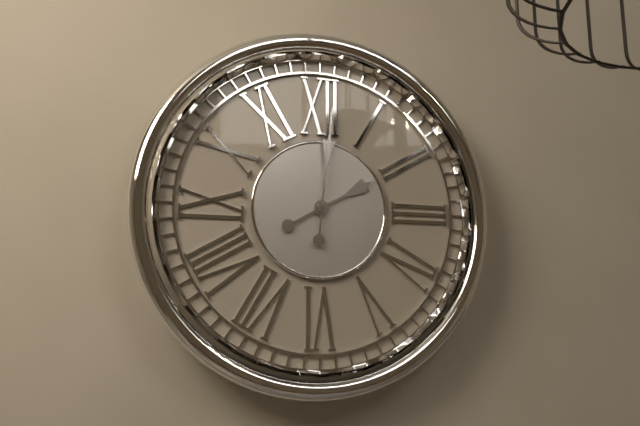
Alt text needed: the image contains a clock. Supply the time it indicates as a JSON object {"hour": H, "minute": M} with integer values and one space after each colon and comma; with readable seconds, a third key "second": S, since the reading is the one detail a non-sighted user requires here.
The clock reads {"hour": 2, "minute": 1}
